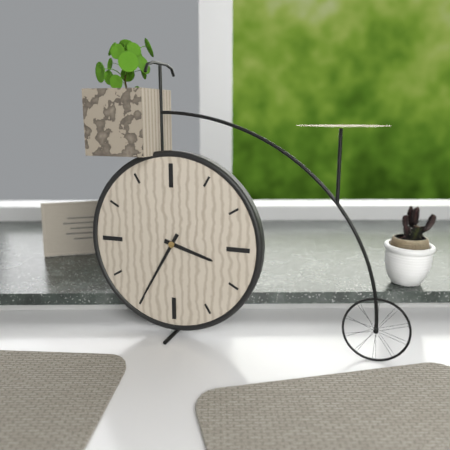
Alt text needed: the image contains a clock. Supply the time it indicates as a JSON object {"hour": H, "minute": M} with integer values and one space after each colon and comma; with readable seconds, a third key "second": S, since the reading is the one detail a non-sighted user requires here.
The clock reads {"hour": 3, "minute": 35}
